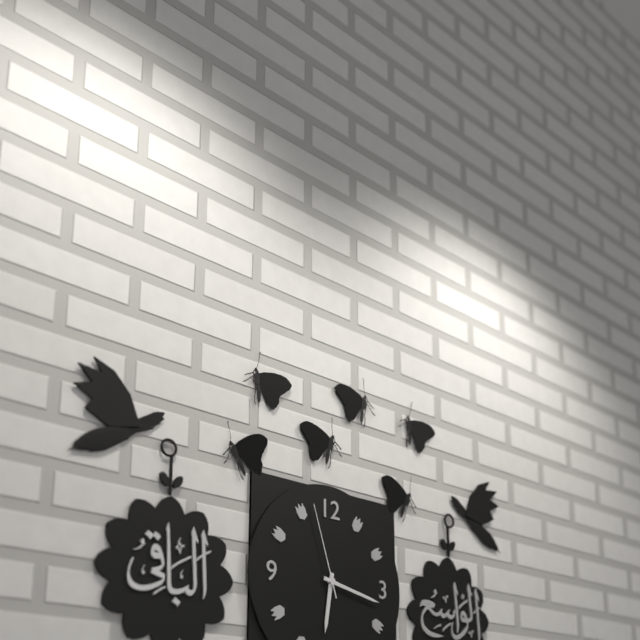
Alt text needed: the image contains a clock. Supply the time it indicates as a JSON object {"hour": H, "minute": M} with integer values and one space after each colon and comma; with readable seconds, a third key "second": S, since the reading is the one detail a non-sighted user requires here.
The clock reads {"hour": 6, "minute": 17, "second": 57}
